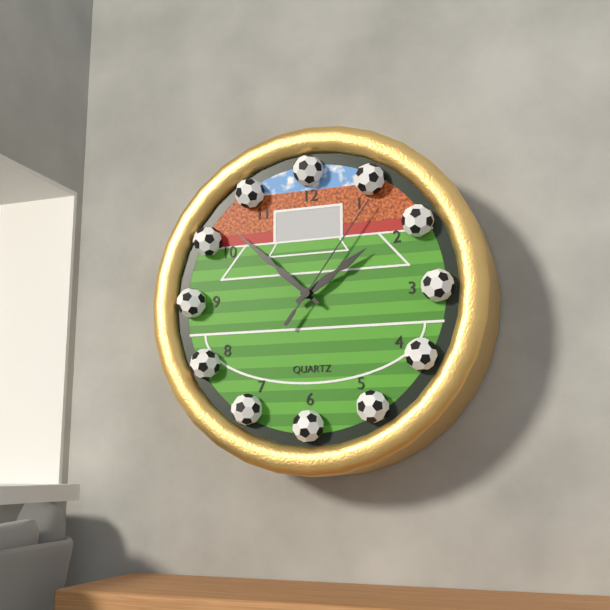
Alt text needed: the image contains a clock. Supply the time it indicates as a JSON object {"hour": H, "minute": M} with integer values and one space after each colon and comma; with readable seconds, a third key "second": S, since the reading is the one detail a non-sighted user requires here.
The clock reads {"hour": 1, "minute": 52, "second": 6}
